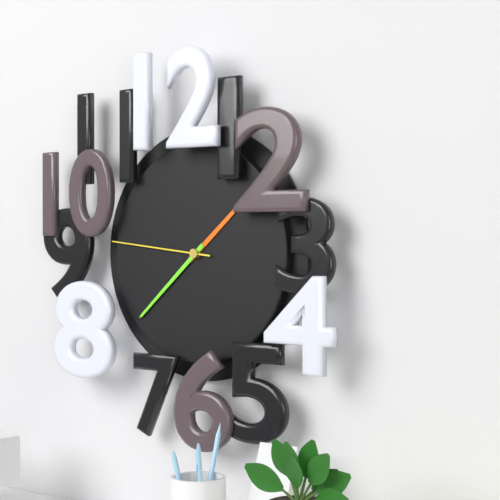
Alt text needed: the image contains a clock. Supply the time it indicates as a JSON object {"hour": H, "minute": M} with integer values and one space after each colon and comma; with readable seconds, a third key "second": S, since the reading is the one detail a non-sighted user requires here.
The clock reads {"hour": 1, "minute": 38, "second": 46}
